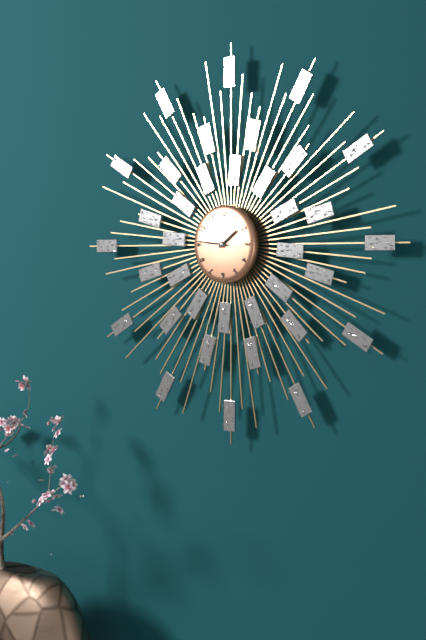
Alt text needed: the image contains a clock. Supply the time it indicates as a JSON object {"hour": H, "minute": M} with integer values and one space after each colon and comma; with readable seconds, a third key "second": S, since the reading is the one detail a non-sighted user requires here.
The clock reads {"hour": 1, "minute": 46}
